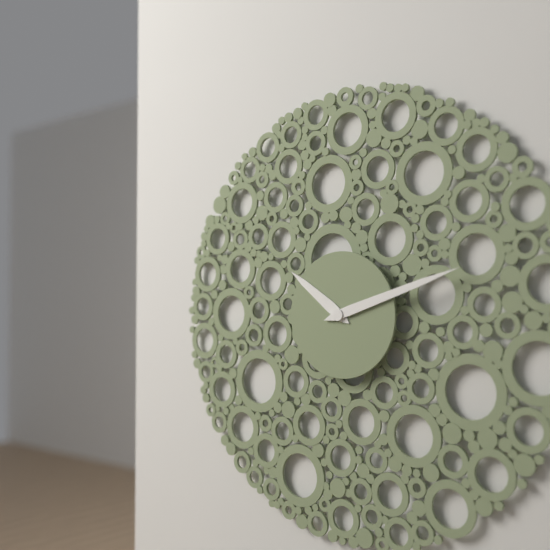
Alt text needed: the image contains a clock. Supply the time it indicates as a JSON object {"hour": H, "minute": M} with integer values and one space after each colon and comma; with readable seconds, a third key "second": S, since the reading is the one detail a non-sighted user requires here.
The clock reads {"hour": 10, "minute": 12}
